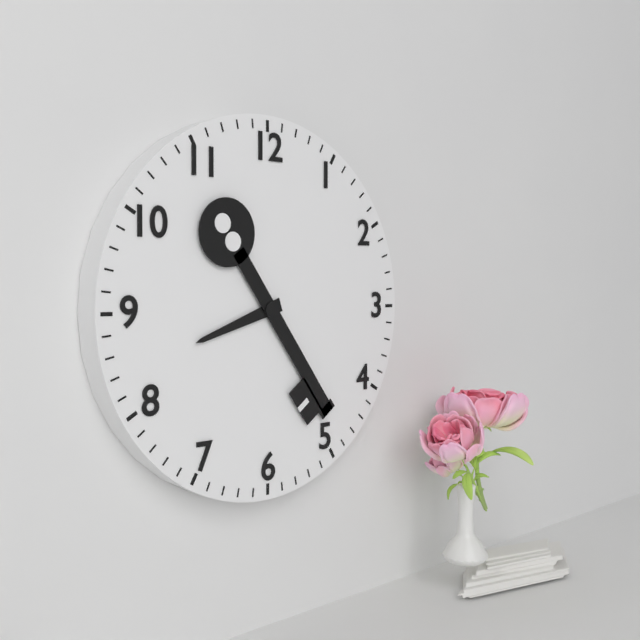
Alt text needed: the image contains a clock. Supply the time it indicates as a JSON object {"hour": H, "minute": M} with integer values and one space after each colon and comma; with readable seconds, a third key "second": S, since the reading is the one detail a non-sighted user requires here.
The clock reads {"hour": 8, "minute": 24}
